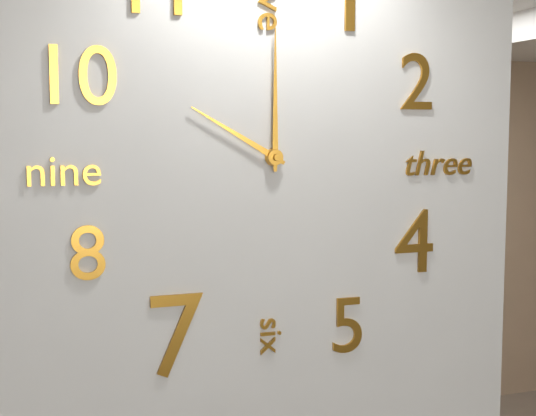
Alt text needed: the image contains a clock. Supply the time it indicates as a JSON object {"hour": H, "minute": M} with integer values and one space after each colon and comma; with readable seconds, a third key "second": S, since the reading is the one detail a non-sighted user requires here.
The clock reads {"hour": 10, "minute": 0}
